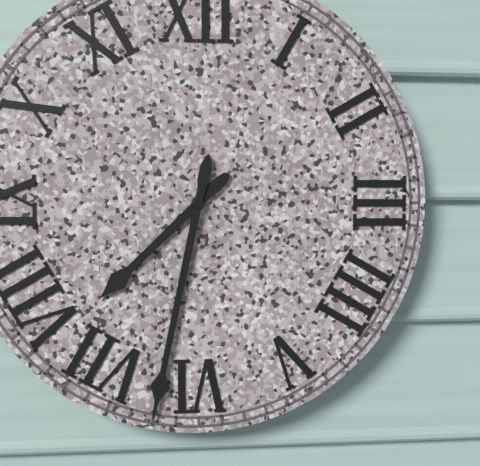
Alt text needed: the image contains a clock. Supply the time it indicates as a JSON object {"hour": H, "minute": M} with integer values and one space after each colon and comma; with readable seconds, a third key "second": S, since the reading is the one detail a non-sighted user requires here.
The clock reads {"hour": 7, "minute": 32}
